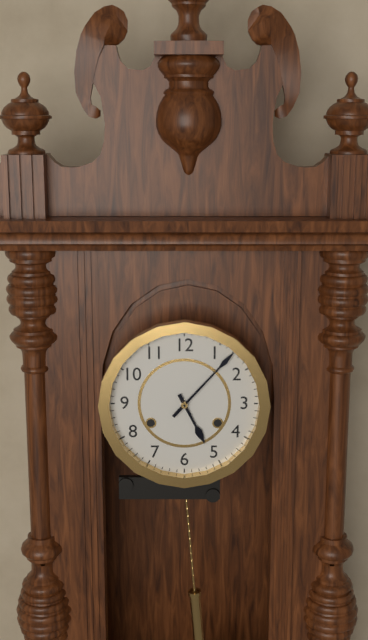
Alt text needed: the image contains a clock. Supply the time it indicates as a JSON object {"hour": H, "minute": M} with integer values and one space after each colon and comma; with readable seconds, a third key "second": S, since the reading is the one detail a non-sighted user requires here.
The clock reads {"hour": 5, "minute": 7}
